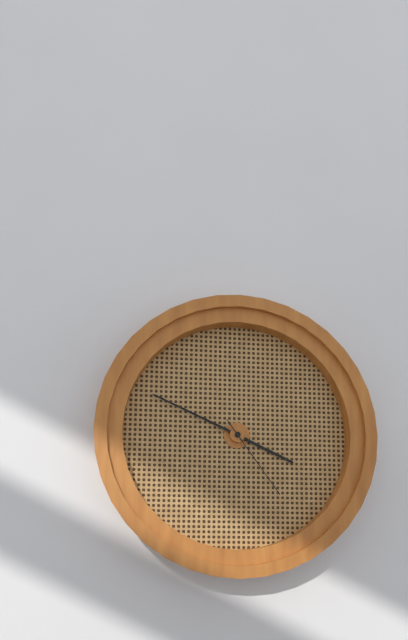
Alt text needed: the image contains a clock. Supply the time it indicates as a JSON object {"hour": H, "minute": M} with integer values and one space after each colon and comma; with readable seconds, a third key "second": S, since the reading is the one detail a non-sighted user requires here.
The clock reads {"hour": 3, "minute": 49, "second": 24}
